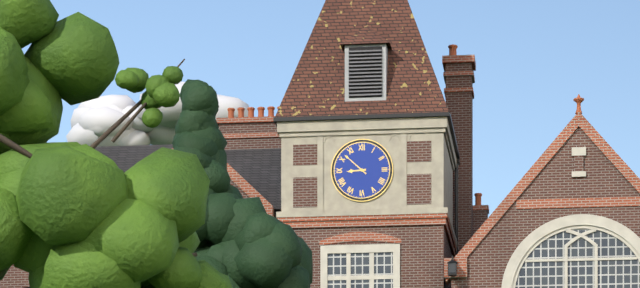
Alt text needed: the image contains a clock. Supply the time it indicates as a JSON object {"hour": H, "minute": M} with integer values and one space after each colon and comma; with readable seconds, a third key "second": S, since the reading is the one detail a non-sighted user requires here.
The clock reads {"hour": 8, "minute": 52}
